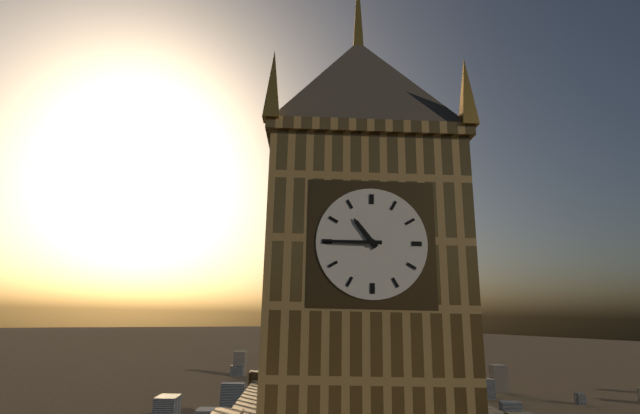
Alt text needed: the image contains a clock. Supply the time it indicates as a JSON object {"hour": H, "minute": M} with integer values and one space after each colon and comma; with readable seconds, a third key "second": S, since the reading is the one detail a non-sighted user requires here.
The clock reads {"hour": 10, "minute": 45}
